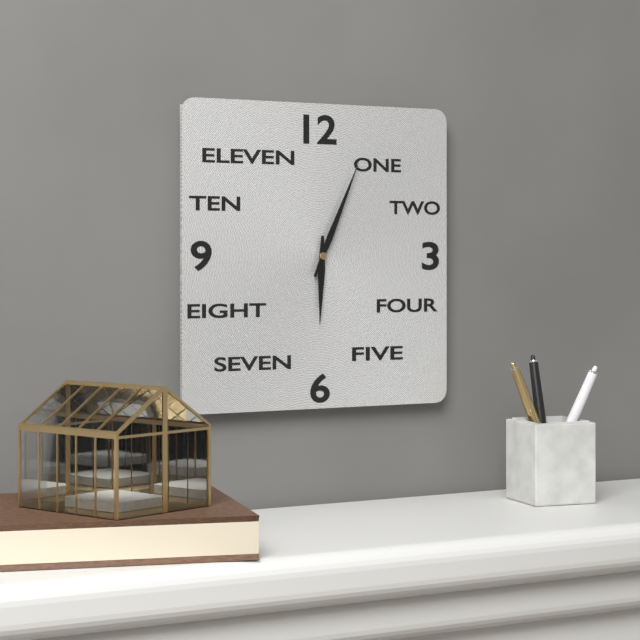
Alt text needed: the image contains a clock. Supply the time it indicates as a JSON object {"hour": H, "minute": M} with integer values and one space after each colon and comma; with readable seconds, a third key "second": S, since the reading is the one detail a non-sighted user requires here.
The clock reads {"hour": 6, "minute": 4}
